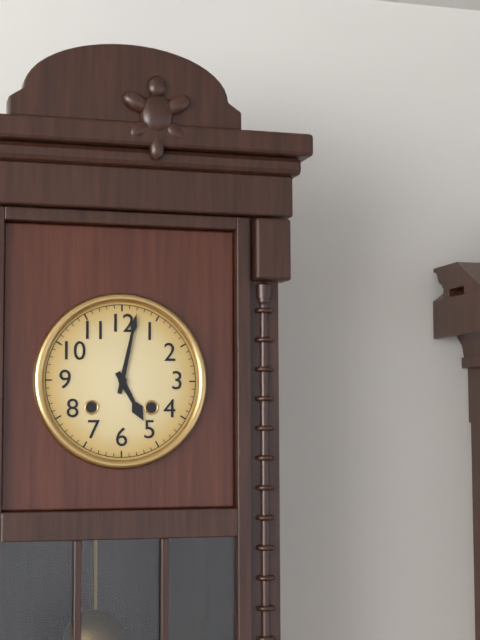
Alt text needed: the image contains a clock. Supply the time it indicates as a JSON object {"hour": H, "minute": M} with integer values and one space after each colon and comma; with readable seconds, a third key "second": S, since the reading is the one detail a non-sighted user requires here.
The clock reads {"hour": 5, "minute": 2}
